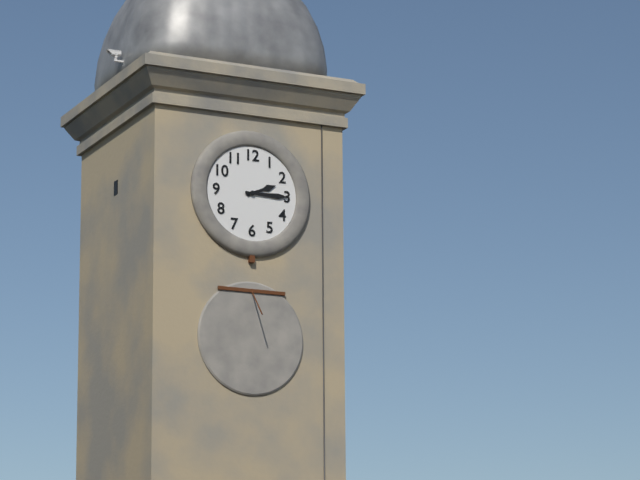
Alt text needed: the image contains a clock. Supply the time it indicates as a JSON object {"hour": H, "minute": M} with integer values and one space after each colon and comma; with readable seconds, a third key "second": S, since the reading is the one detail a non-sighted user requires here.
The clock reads {"hour": 2, "minute": 15}
